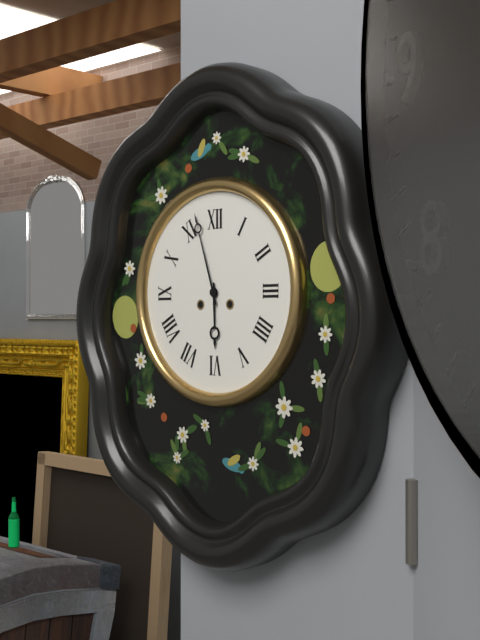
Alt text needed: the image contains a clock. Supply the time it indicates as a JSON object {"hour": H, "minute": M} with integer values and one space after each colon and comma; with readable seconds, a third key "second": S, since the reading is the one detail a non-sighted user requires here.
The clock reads {"hour": 5, "minute": 57}
